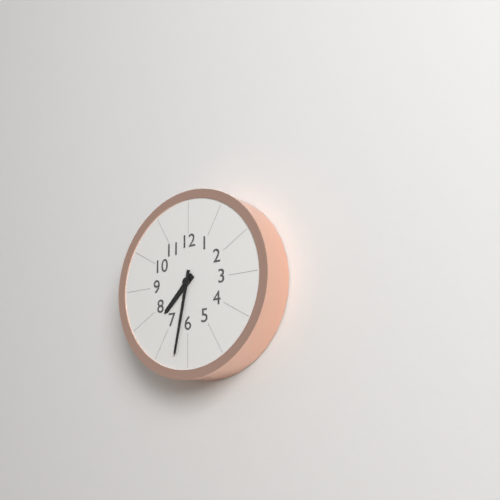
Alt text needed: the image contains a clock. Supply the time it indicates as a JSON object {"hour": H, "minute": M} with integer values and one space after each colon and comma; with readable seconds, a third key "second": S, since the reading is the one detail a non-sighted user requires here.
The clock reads {"hour": 7, "minute": 32}
